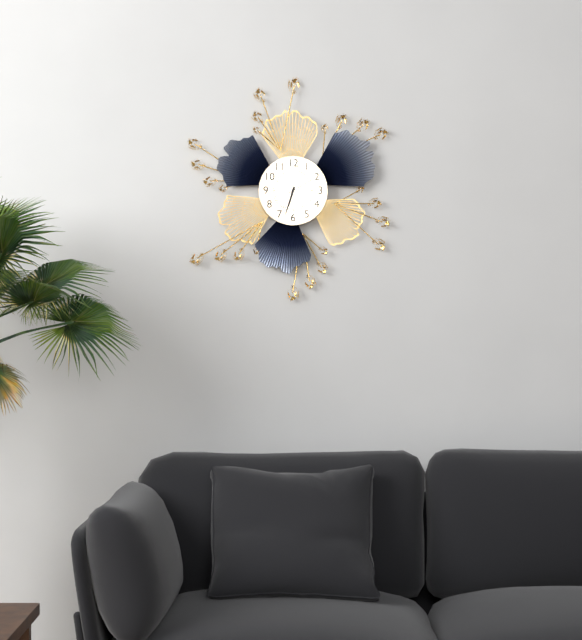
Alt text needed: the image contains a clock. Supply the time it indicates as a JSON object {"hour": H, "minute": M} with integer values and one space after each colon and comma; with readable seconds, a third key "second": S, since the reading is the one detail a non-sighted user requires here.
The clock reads {"hour": 6, "minute": 33}
